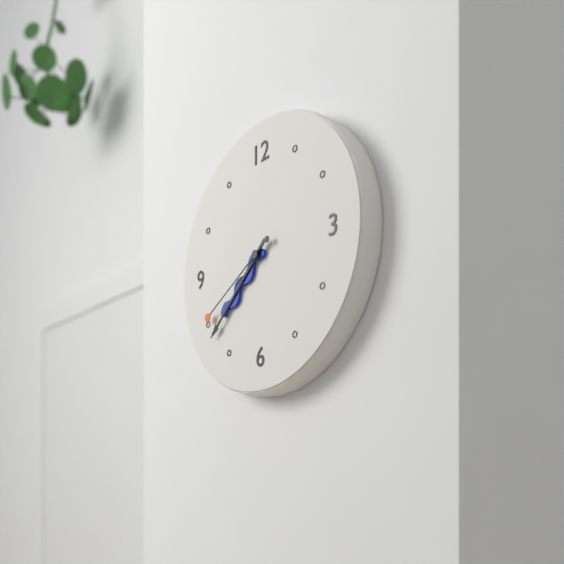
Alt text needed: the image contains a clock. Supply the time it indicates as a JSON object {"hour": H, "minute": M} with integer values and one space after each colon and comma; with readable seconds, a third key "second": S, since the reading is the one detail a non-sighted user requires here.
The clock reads {"hour": 7, "minute": 38, "second": 40}
